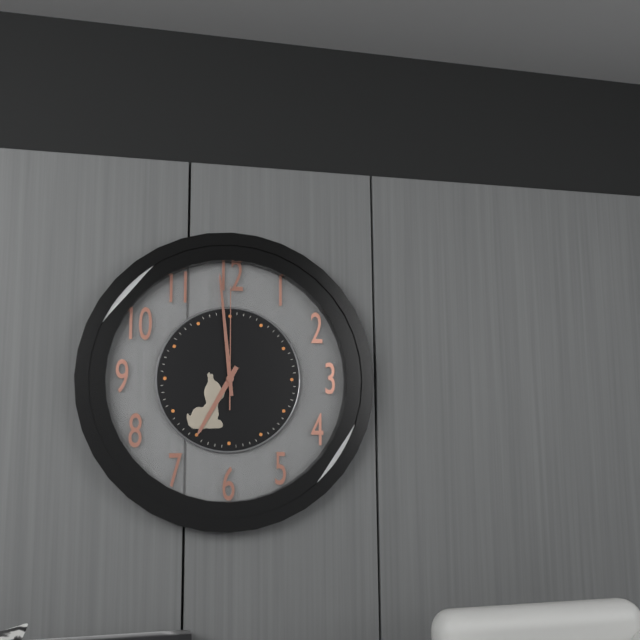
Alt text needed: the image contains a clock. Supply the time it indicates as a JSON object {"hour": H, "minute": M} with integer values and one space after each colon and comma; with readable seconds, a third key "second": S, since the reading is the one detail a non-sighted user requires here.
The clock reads {"hour": 6, "minute": 59, "second": 0}
